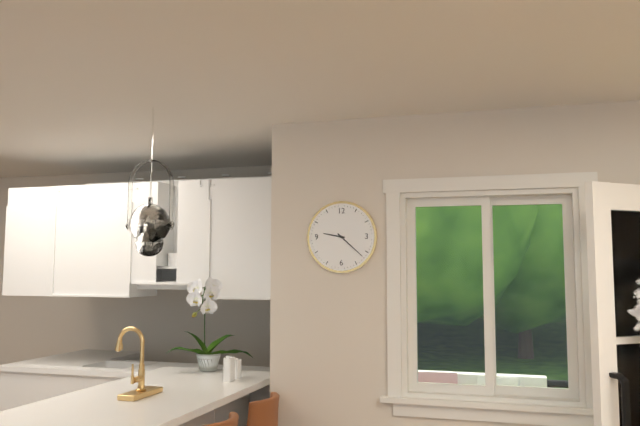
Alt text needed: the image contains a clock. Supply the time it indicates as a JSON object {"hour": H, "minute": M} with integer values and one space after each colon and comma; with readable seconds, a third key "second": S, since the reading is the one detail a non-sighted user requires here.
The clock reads {"hour": 9, "minute": 22}
